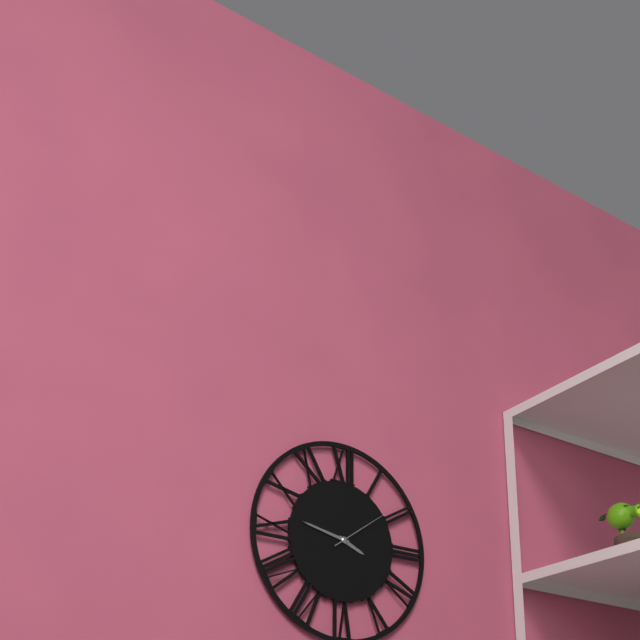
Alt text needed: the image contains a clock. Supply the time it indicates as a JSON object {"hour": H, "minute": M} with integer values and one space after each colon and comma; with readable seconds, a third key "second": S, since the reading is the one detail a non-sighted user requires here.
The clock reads {"hour": 3, "minute": 47, "second": 9}
